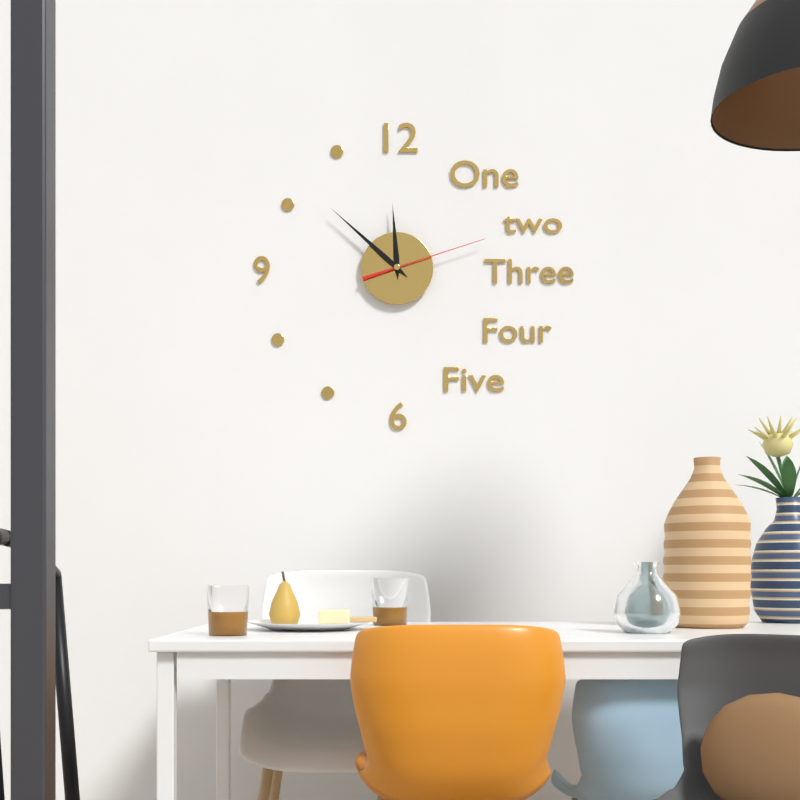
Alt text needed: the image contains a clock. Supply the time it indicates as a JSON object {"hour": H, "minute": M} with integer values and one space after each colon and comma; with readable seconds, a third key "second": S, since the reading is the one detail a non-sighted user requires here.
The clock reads {"hour": 11, "minute": 52, "second": 12}
